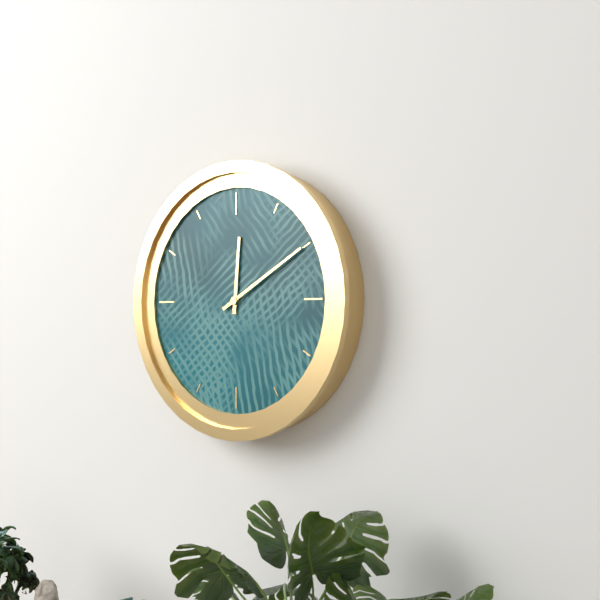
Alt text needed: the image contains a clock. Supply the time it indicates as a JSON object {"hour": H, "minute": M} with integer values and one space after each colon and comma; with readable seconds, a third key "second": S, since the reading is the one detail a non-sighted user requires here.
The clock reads {"hour": 12, "minute": 10}
